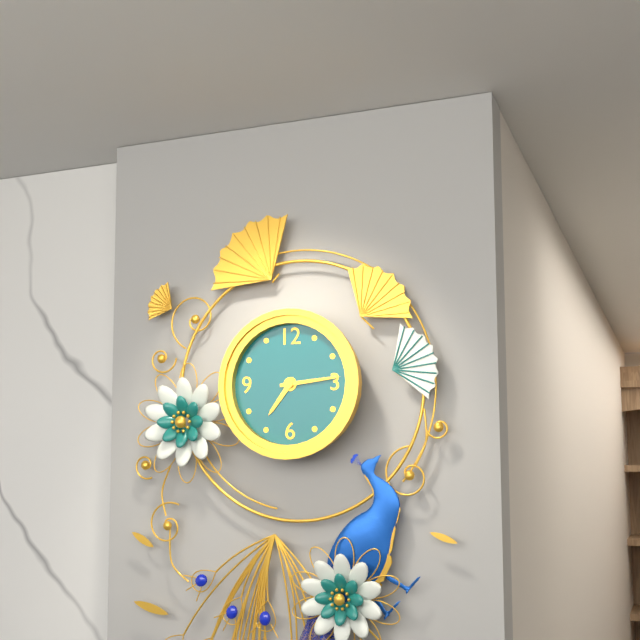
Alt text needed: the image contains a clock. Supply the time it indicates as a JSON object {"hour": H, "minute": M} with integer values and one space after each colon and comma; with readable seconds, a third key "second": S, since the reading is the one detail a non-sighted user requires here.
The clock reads {"hour": 7, "minute": 14}
